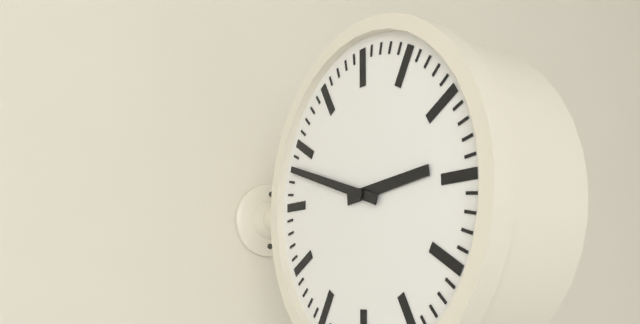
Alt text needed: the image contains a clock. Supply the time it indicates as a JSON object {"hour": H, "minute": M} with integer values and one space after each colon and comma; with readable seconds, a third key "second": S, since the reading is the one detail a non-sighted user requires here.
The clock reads {"hour": 2, "minute": 48}
